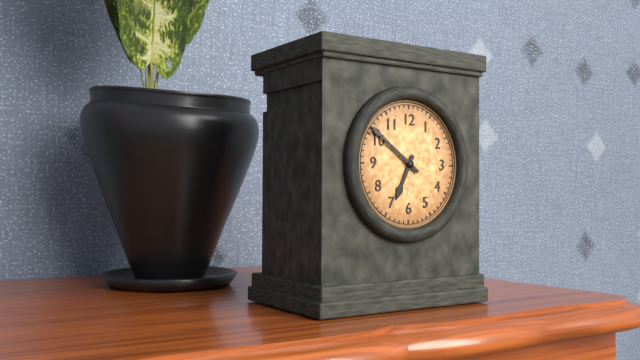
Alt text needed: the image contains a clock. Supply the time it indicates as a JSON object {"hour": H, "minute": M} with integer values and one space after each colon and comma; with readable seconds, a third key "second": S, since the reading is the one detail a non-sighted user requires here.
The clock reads {"hour": 6, "minute": 51}
